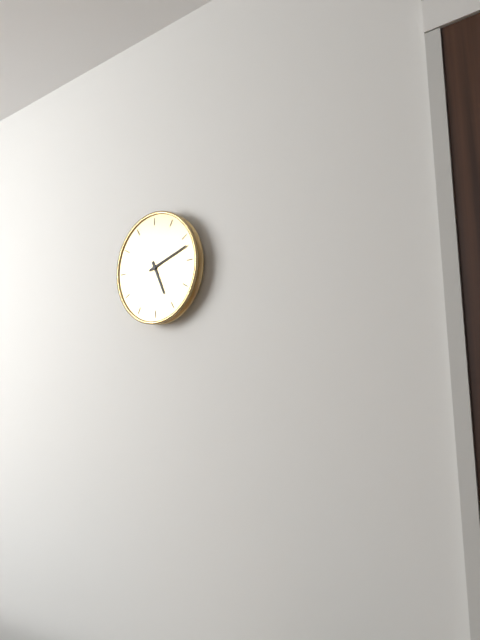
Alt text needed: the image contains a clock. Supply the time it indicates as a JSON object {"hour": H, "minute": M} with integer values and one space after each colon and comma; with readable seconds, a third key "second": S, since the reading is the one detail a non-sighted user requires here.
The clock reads {"hour": 5, "minute": 12}
